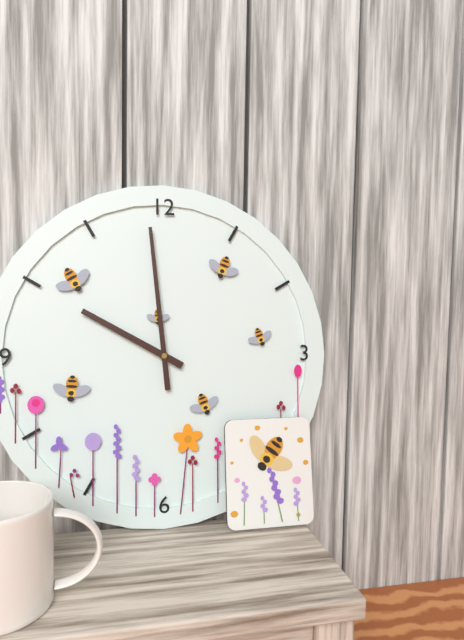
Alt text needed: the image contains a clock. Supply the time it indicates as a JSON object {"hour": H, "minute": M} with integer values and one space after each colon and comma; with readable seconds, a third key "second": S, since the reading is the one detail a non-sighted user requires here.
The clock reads {"hour": 9, "minute": 59}
